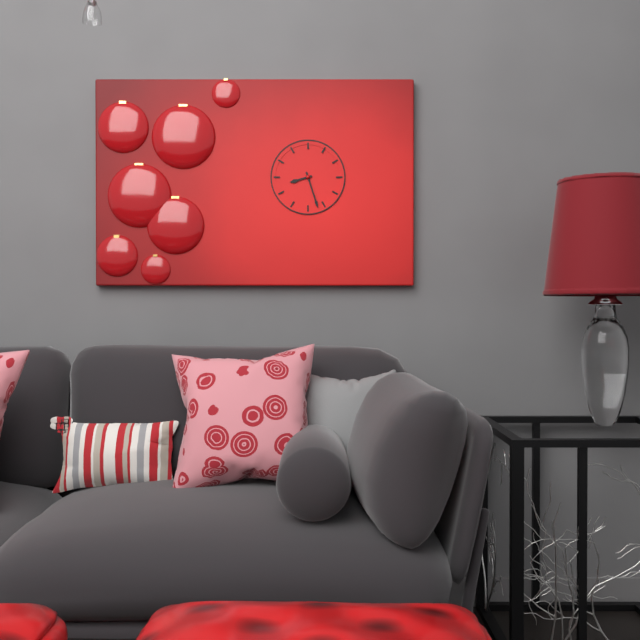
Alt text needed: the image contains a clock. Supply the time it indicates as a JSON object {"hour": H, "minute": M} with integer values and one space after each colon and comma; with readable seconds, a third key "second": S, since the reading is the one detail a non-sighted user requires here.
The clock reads {"hour": 8, "minute": 27}
